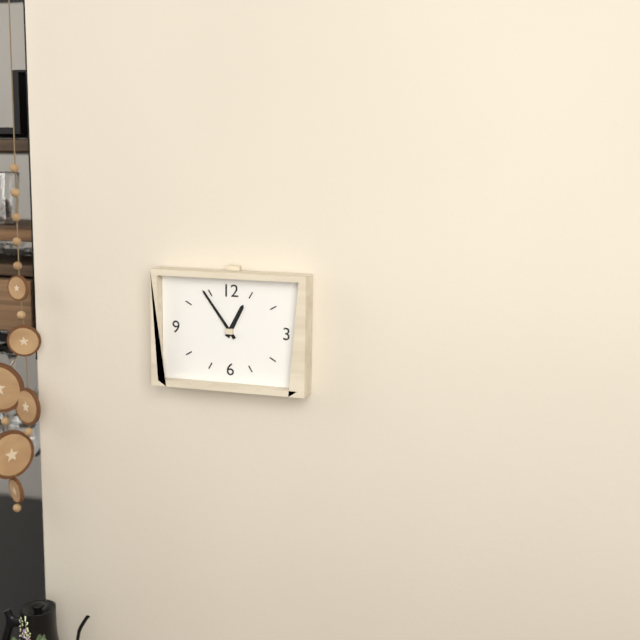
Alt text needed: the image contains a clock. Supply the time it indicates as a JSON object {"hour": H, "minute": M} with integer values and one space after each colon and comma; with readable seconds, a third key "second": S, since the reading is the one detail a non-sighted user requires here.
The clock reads {"hour": 12, "minute": 54}
